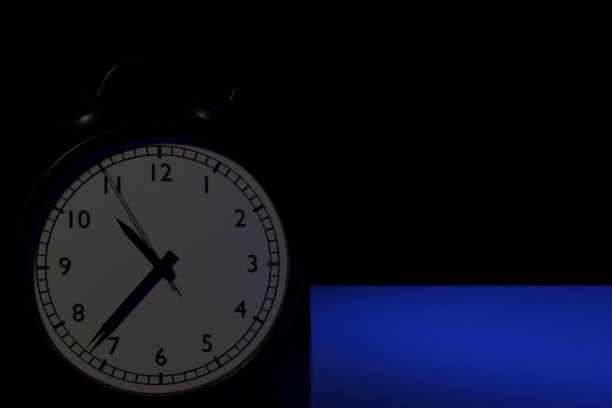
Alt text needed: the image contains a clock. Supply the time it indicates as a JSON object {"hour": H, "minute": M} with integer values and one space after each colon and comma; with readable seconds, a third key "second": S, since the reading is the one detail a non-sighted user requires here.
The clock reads {"hour": 10, "minute": 37, "second": 55}
